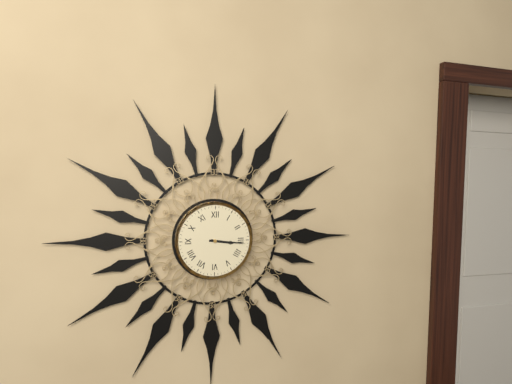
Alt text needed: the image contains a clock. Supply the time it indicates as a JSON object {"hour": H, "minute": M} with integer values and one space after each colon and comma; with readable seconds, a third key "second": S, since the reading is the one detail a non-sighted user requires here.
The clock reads {"hour": 3, "minute": 16}
